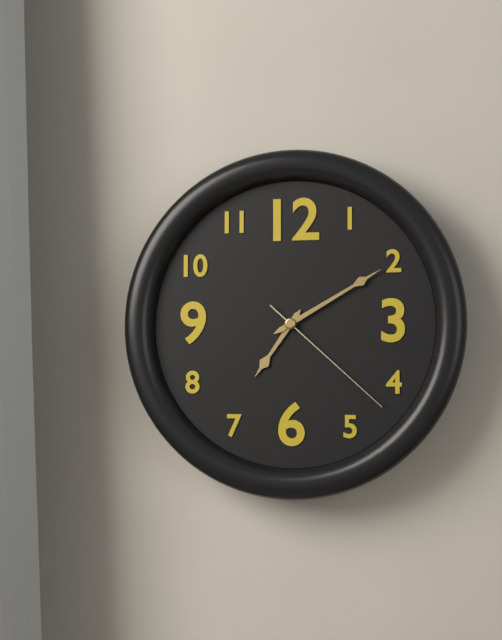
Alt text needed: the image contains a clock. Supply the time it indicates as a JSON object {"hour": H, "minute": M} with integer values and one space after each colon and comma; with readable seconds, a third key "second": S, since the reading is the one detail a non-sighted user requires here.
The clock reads {"hour": 7, "minute": 10, "second": 22}
